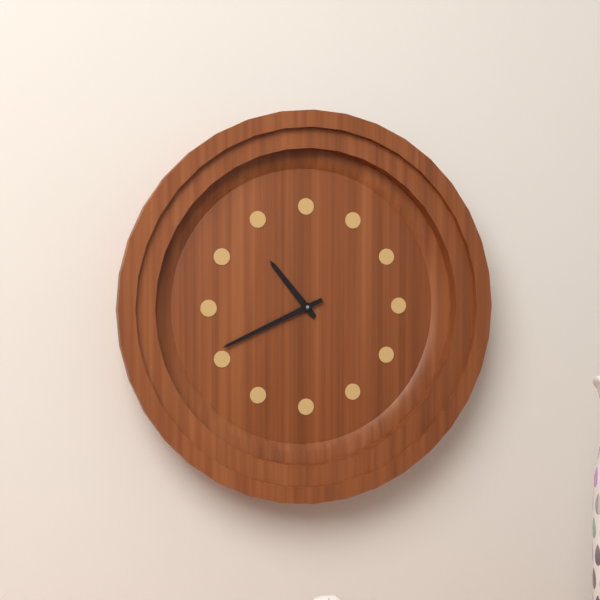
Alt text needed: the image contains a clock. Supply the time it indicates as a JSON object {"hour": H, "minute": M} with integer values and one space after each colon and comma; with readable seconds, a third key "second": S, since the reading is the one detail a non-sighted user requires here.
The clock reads {"hour": 10, "minute": 41}
